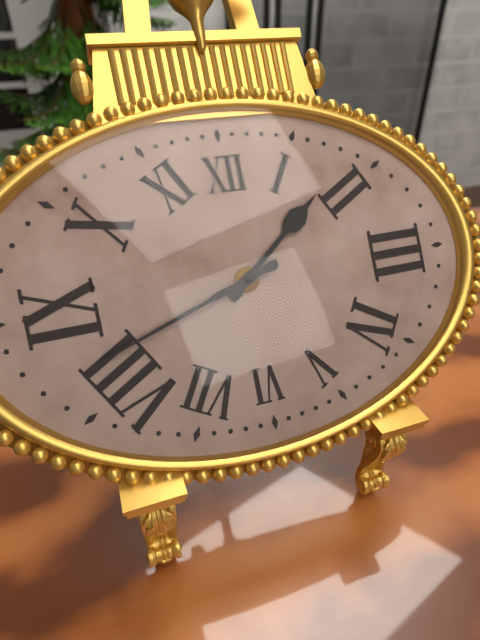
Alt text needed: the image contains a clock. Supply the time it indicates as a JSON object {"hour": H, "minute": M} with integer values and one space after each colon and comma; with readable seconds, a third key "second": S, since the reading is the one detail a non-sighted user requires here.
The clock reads {"hour": 1, "minute": 42}
